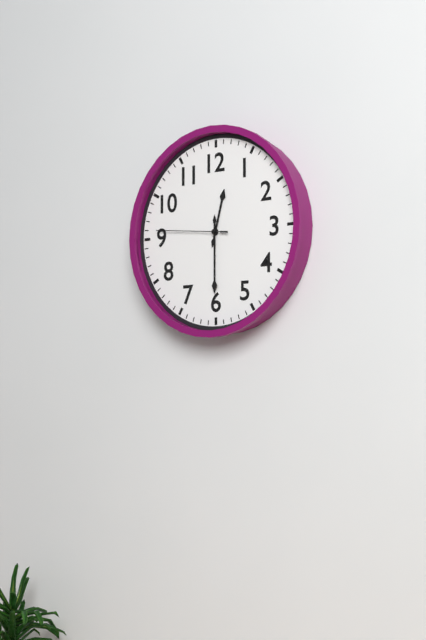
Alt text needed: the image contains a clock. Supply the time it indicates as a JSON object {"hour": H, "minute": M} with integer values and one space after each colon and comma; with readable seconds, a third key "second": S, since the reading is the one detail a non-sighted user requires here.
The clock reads {"hour": 12, "minute": 30, "second": 46}
